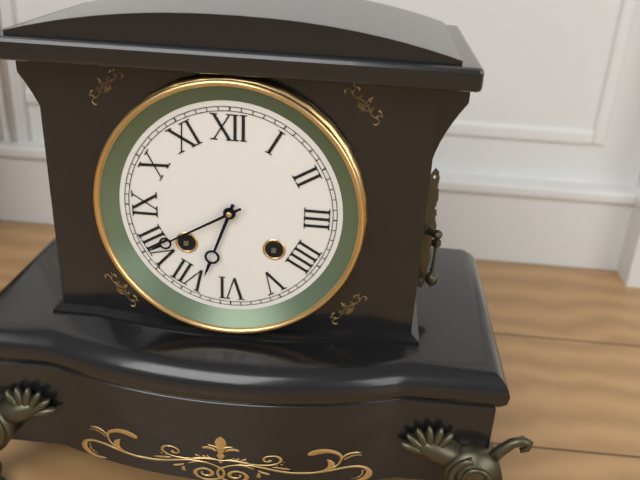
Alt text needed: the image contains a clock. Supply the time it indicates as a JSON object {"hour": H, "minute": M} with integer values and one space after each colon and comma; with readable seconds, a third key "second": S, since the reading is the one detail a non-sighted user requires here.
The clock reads {"hour": 6, "minute": 40}
